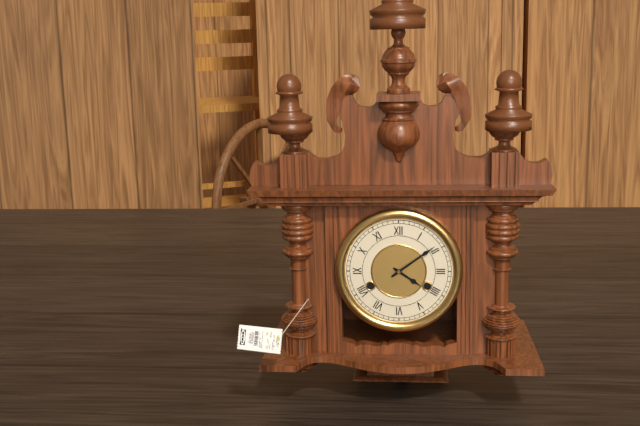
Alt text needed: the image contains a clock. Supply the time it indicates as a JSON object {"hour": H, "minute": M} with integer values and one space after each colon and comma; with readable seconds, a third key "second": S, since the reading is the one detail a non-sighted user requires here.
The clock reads {"hour": 4, "minute": 9}
